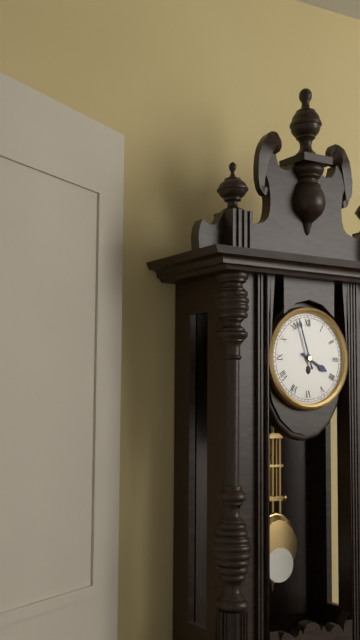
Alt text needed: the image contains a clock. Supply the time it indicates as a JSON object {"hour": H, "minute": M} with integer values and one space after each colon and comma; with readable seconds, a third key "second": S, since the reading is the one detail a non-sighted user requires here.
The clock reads {"hour": 3, "minute": 57}
